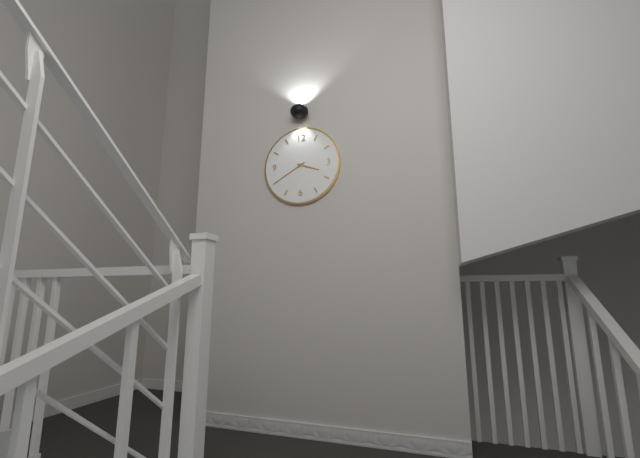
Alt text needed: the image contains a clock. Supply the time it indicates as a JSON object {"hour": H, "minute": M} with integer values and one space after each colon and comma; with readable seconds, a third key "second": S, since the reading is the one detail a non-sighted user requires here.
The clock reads {"hour": 3, "minute": 40}
